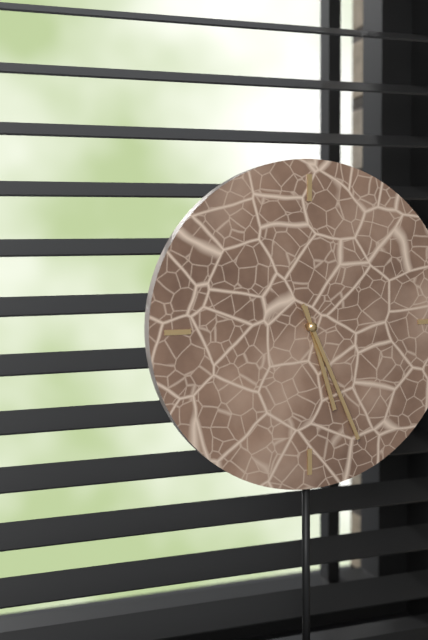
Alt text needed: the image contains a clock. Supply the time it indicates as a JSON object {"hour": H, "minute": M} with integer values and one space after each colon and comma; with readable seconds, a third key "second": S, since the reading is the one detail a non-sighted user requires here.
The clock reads {"hour": 5, "minute": 26}
